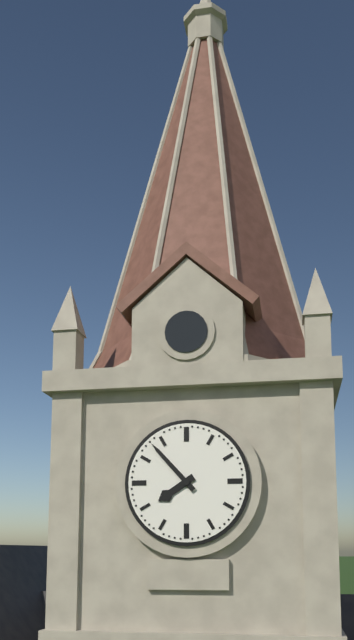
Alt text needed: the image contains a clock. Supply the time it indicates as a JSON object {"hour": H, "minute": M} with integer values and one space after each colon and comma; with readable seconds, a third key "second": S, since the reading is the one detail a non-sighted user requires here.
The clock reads {"hour": 7, "minute": 53}
